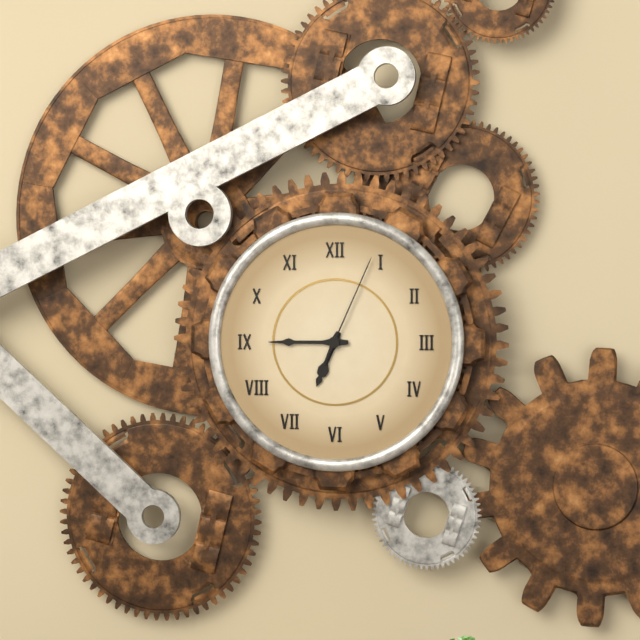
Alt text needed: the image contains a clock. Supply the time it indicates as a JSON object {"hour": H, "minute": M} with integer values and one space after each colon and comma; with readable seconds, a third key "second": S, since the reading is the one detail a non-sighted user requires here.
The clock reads {"hour": 6, "minute": 45, "second": 4}
